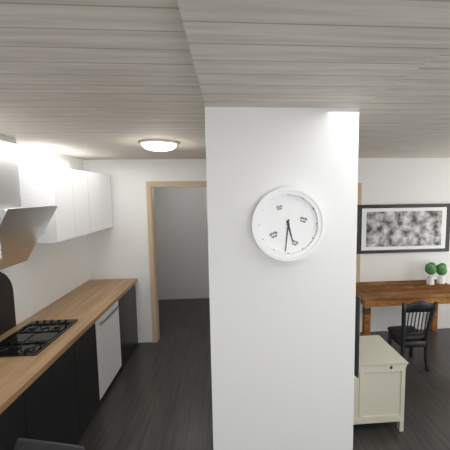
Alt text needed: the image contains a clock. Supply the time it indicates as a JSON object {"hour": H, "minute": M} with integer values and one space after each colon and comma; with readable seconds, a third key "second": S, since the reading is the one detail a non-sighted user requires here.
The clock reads {"hour": 5, "minute": 31}
